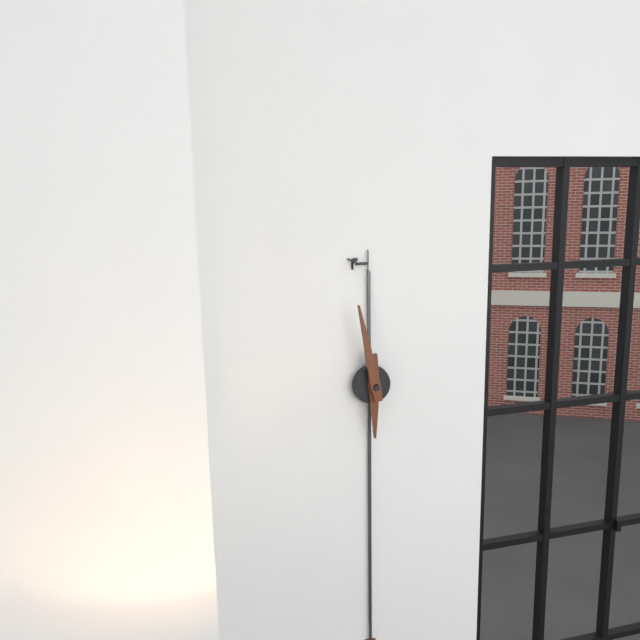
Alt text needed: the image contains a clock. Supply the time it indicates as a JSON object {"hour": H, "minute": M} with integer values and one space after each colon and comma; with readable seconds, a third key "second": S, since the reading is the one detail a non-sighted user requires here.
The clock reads {"hour": 5, "minute": 58}
